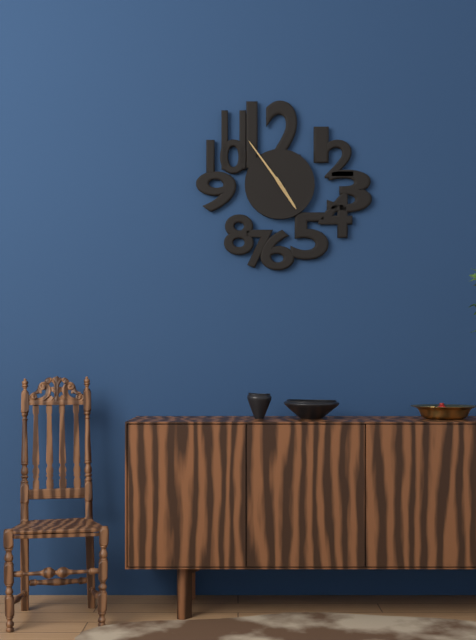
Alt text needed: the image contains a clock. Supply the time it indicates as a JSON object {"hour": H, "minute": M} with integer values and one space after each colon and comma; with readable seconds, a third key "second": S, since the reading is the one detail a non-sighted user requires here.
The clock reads {"hour": 4, "minute": 54}
